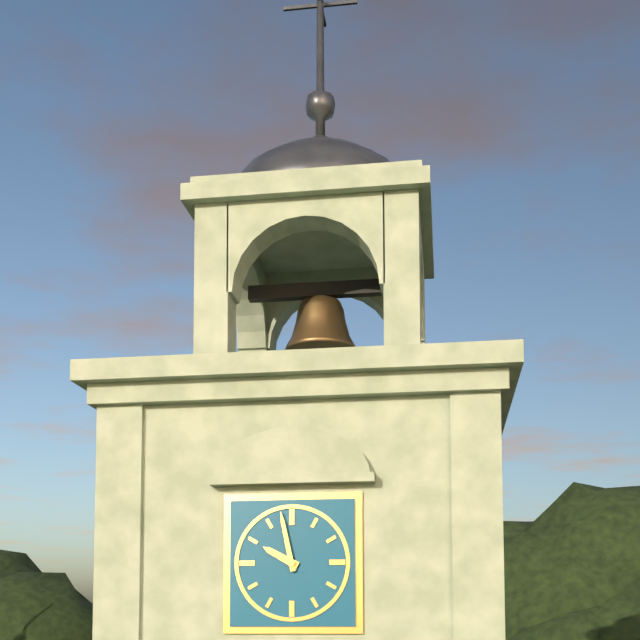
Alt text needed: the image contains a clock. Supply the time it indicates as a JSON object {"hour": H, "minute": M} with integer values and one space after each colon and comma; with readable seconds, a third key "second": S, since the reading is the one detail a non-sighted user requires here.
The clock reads {"hour": 9, "minute": 58}
